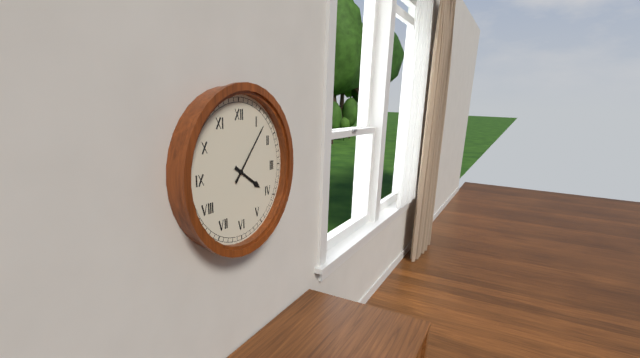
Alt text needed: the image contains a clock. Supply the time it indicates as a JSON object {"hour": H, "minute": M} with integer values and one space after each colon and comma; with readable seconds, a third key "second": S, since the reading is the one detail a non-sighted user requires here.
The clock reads {"hour": 4, "minute": 7}
